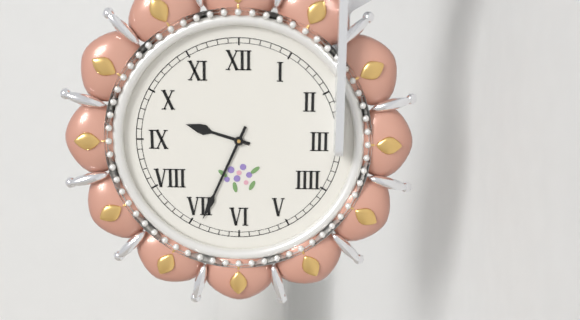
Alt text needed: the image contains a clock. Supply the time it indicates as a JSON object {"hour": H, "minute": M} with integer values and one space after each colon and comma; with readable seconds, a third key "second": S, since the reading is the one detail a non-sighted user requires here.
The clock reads {"hour": 9, "minute": 34}
